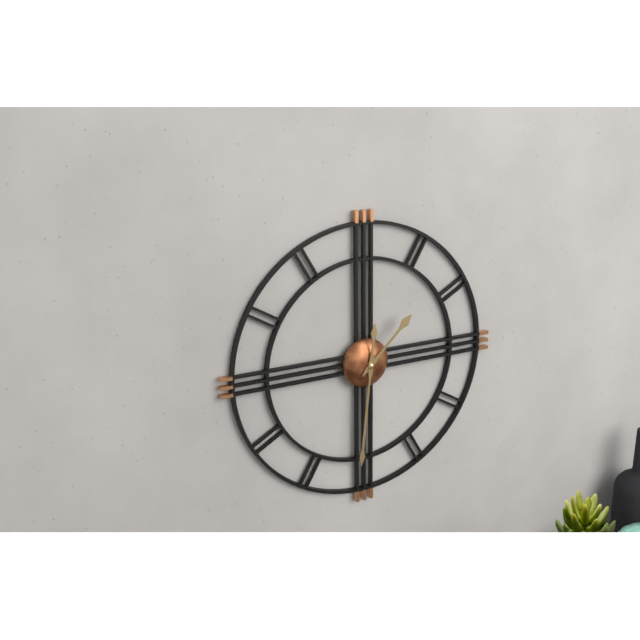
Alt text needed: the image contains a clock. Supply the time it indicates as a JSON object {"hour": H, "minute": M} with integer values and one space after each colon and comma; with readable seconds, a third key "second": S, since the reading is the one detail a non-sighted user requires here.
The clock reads {"hour": 1, "minute": 31}
